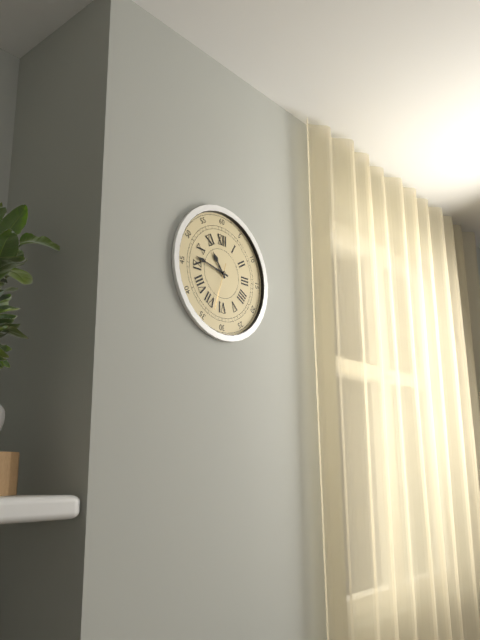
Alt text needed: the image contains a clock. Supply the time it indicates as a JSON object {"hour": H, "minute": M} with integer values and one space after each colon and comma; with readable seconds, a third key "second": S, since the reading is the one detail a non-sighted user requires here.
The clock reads {"hour": 10, "minute": 47}
